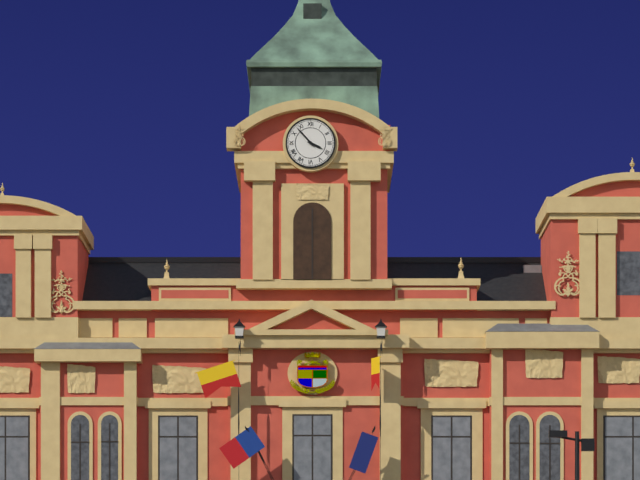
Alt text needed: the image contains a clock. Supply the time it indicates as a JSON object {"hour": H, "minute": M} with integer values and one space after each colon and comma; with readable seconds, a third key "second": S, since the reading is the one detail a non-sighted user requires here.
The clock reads {"hour": 3, "minute": 53}
